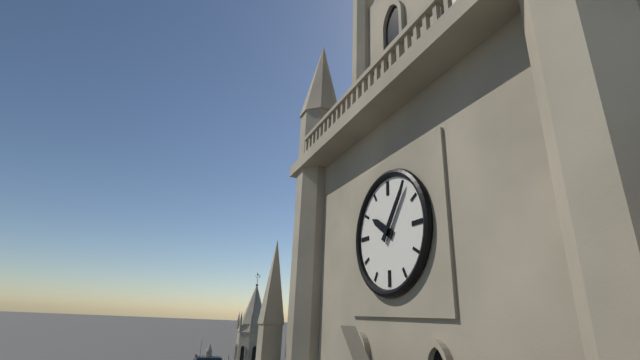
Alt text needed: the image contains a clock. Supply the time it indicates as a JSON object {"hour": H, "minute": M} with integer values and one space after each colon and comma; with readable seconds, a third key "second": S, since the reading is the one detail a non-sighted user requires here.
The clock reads {"hour": 10, "minute": 6}
